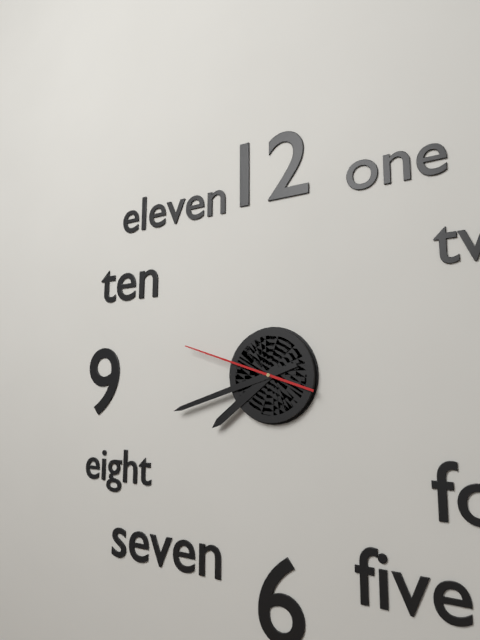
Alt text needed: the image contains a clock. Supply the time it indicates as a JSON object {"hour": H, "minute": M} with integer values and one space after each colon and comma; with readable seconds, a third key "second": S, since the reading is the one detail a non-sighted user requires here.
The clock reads {"hour": 7, "minute": 42, "second": 48}
